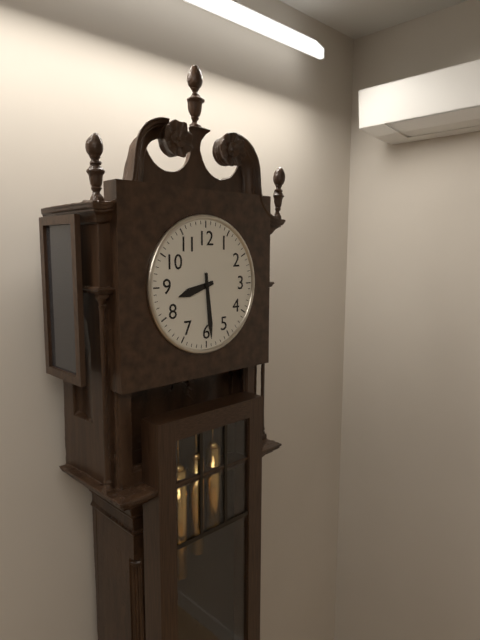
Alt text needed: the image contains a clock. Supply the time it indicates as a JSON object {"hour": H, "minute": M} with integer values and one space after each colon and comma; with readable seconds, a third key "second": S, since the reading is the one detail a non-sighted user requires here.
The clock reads {"hour": 8, "minute": 29}
